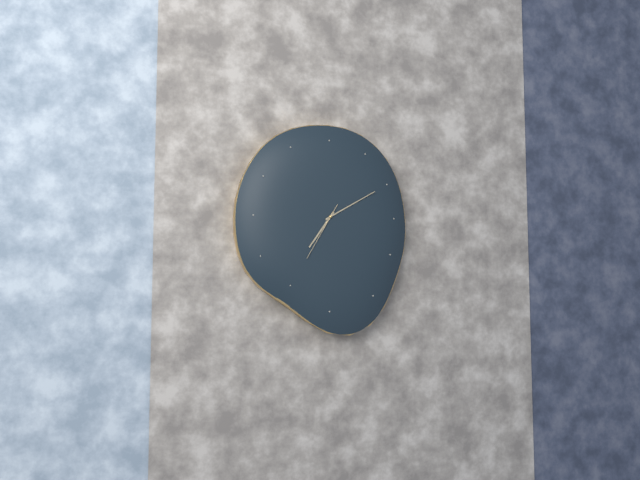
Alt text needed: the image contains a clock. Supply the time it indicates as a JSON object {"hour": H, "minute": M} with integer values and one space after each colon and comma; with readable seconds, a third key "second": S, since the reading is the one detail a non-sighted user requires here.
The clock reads {"hour": 7, "minute": 10, "second": 35}
